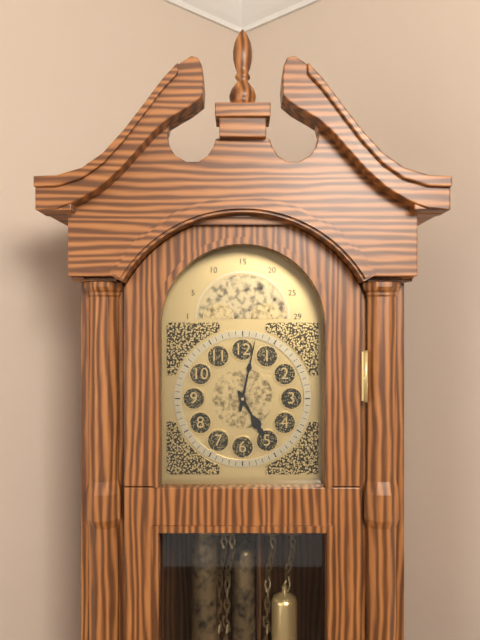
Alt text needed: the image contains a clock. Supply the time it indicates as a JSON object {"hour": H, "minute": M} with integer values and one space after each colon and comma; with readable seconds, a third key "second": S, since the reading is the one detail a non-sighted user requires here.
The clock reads {"hour": 5, "minute": 2}
